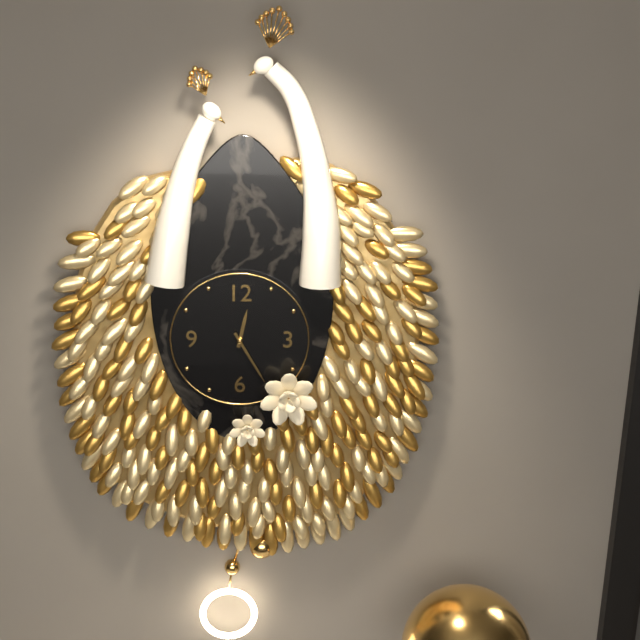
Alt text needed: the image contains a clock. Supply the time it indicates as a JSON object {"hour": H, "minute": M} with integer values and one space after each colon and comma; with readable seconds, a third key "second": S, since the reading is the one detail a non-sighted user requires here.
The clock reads {"hour": 12, "minute": 25}
